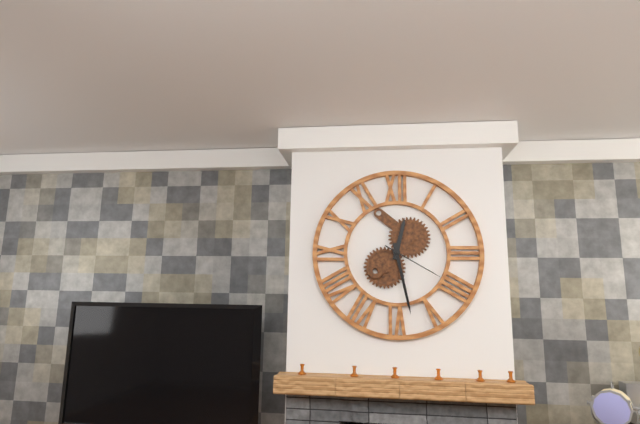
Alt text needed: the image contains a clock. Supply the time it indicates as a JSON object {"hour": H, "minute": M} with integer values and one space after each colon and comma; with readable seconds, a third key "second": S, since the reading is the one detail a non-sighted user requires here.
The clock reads {"hour": 12, "minute": 28, "second": 20}
